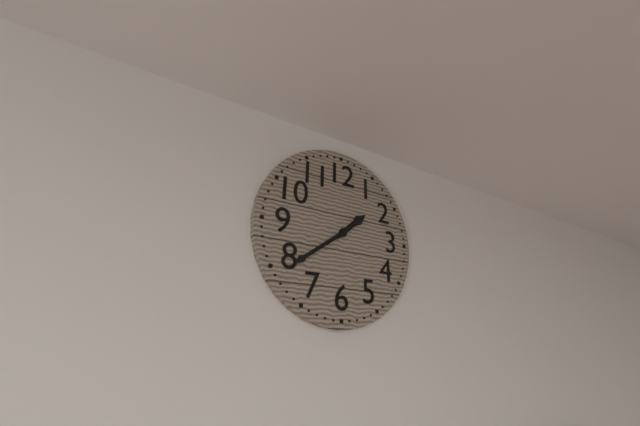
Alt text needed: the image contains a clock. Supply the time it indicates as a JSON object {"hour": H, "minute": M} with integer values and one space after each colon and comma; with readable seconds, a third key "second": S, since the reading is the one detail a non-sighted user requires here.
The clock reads {"hour": 1, "minute": 39}
